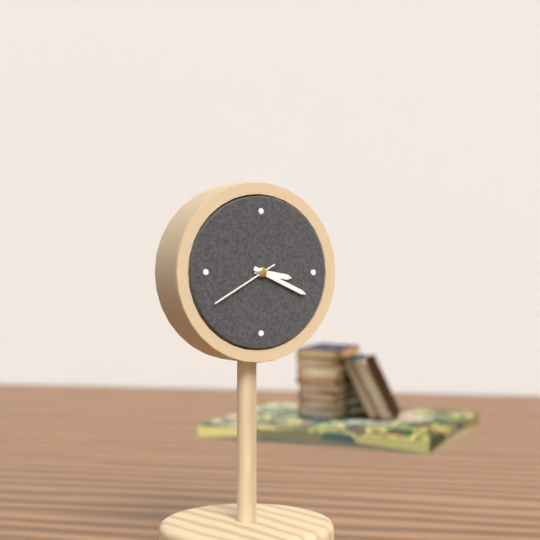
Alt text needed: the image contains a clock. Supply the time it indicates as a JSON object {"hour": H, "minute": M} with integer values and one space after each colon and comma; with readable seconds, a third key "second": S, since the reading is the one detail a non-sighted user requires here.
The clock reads {"hour": 3, "minute": 19, "second": 40}
